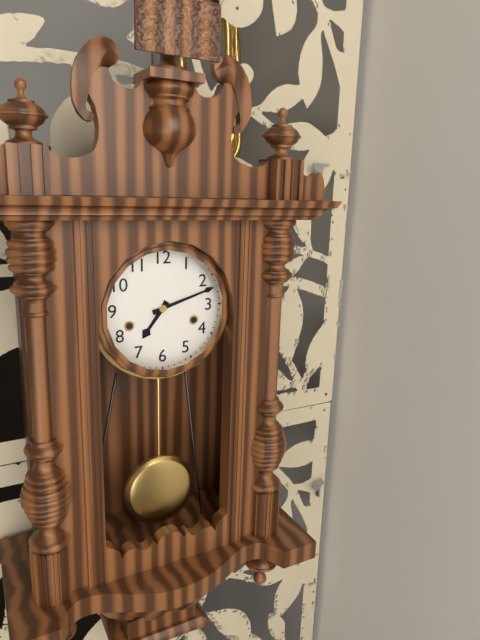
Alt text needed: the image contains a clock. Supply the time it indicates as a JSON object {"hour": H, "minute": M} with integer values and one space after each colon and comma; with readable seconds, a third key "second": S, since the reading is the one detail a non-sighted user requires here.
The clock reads {"hour": 7, "minute": 12}
